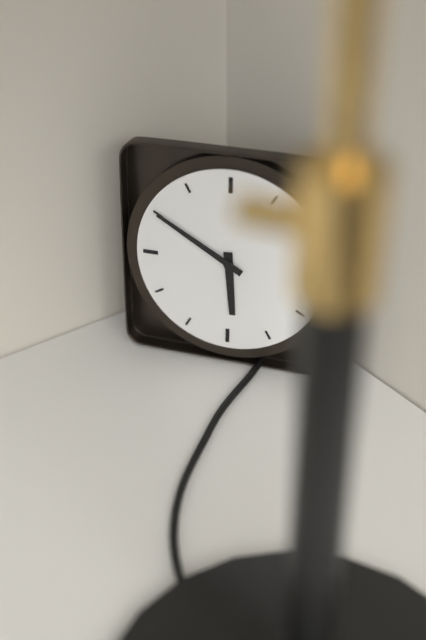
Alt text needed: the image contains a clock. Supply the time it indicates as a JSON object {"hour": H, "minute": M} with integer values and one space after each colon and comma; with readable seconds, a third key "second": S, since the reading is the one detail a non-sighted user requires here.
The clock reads {"hour": 5, "minute": 50}
